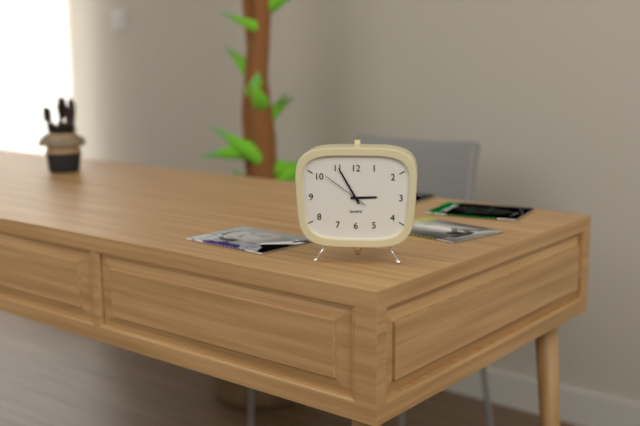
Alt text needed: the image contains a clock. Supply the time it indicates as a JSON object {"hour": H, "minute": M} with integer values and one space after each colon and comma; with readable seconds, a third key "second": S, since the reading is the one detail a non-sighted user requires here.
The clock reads {"hour": 2, "minute": 55}
